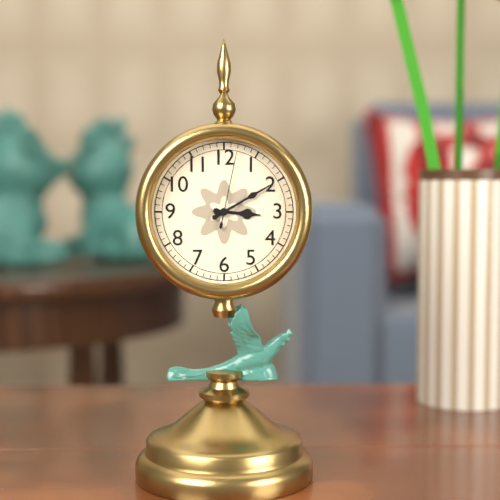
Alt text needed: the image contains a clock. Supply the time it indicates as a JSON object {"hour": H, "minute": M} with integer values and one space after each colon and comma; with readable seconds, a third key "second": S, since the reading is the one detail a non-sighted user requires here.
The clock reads {"hour": 3, "minute": 10, "second": 2}
